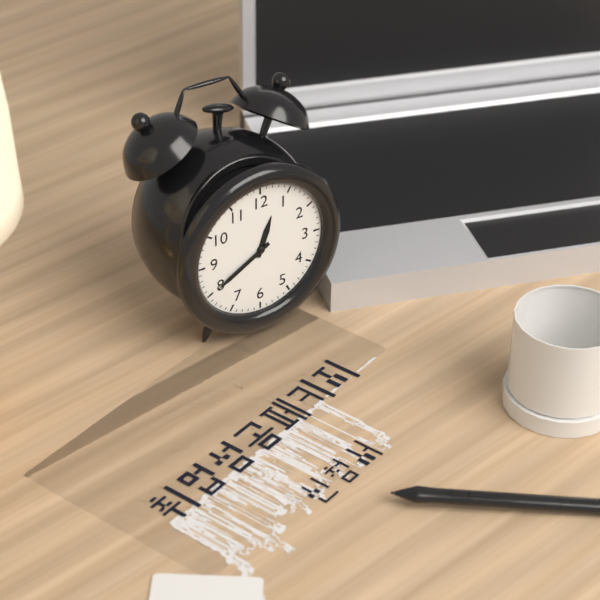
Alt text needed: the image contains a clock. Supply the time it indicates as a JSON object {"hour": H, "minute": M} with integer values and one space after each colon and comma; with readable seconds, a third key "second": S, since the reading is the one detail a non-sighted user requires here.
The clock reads {"hour": 12, "minute": 40}
